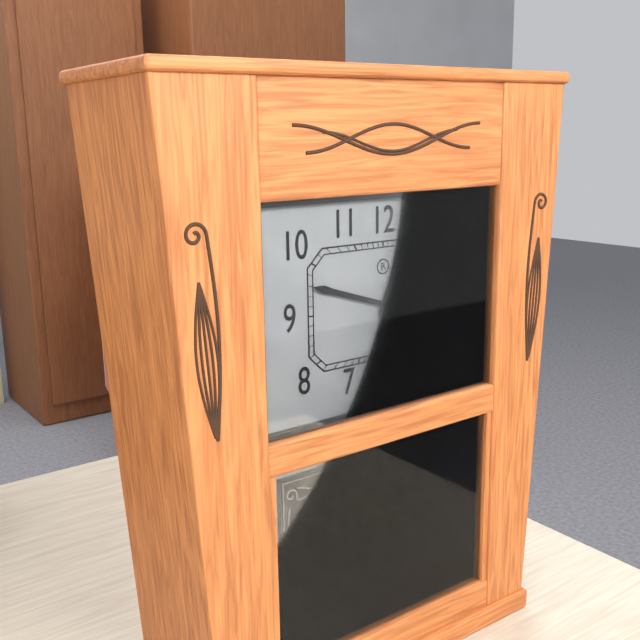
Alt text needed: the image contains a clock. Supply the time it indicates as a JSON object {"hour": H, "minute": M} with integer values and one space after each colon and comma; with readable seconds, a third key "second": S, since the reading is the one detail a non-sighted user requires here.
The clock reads {"hour": 12, "minute": 48}
